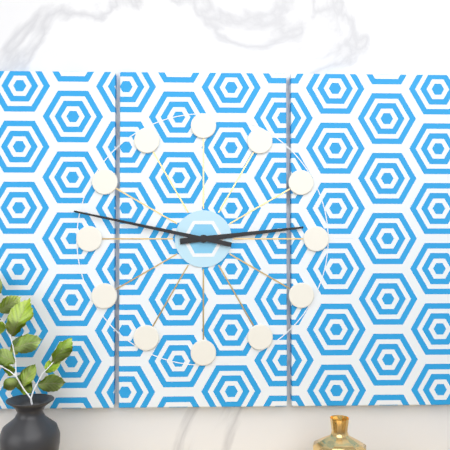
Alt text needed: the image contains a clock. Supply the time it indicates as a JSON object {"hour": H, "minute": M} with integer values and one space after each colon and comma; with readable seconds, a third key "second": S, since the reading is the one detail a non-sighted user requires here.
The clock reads {"hour": 2, "minute": 47}
